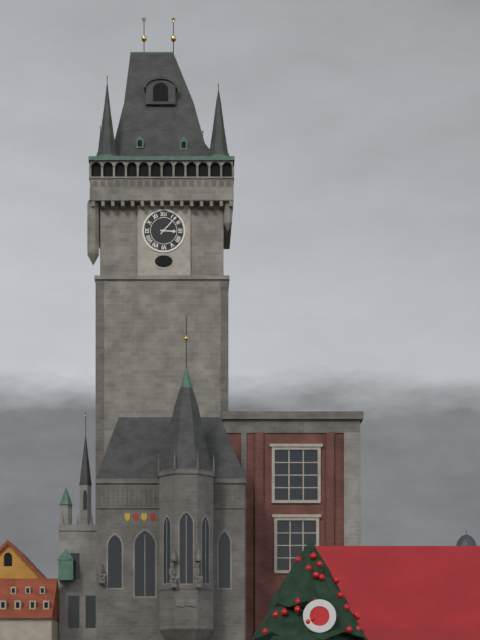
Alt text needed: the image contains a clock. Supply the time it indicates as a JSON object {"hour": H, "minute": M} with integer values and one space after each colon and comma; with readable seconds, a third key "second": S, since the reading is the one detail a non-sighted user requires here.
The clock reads {"hour": 3, "minute": 7}
